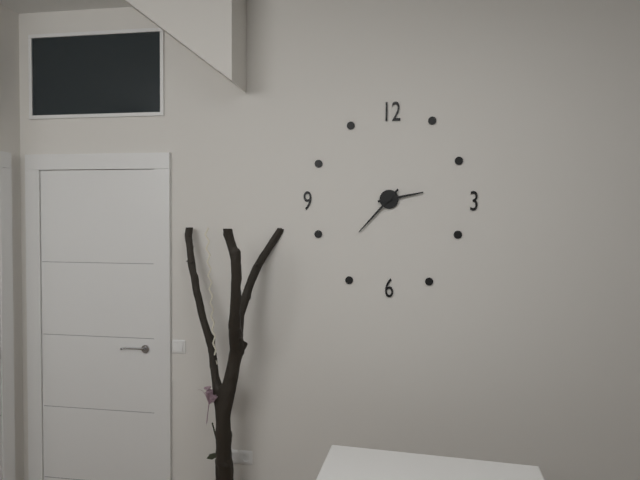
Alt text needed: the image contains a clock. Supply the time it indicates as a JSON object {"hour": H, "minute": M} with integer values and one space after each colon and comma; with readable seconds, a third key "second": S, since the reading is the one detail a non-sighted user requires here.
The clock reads {"hour": 2, "minute": 37}
